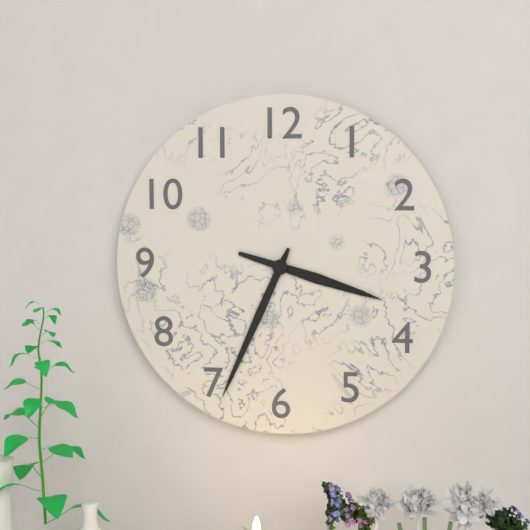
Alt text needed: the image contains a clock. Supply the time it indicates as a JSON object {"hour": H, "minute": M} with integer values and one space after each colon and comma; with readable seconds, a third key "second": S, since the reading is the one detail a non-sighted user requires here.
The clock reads {"hour": 3, "minute": 34}
